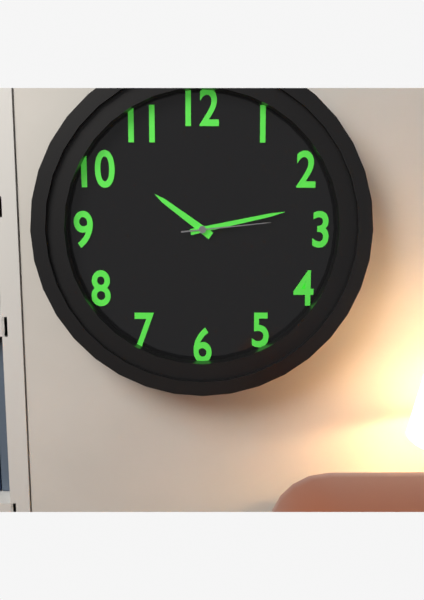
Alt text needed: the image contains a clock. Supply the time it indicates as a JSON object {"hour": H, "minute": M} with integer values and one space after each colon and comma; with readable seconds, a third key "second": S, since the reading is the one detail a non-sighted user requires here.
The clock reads {"hour": 10, "minute": 13, "second": 14}
